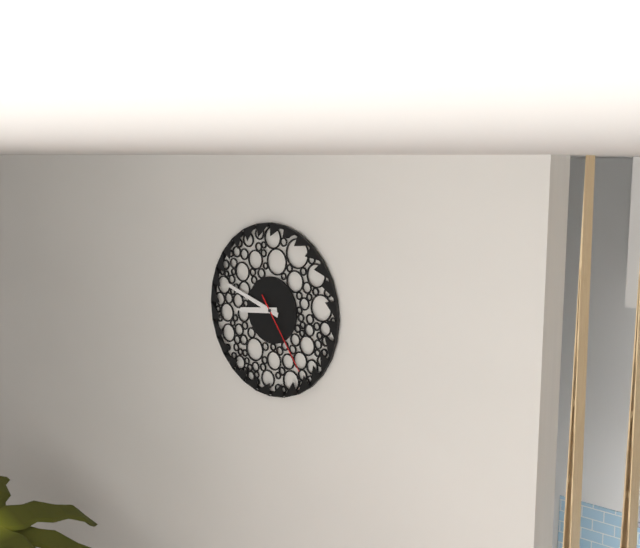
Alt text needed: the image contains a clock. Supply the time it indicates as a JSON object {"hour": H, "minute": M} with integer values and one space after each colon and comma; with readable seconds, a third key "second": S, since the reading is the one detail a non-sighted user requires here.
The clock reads {"hour": 8, "minute": 48, "second": 24}
